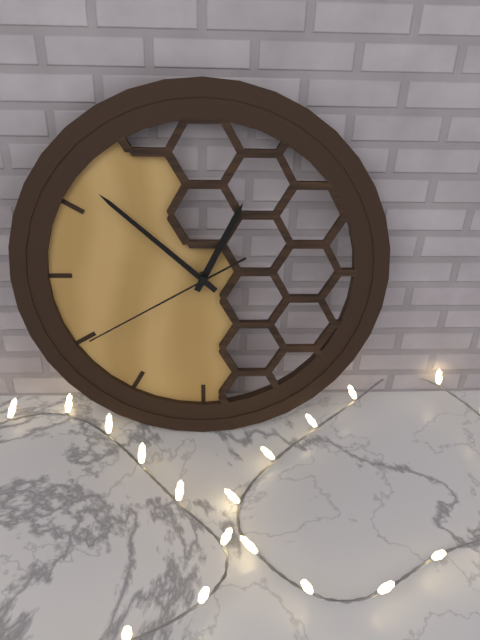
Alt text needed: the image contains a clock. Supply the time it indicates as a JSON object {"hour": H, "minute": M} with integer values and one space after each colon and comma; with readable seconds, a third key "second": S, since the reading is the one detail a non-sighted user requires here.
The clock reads {"hour": 12, "minute": 52, "second": 40}
